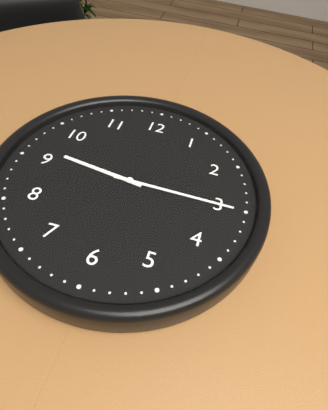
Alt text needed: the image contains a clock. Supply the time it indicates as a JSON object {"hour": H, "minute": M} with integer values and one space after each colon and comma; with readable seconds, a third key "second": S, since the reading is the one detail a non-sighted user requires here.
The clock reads {"hour": 9, "minute": 15}
